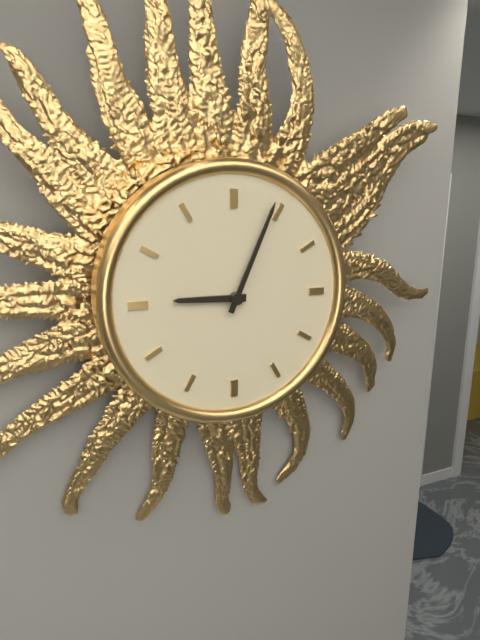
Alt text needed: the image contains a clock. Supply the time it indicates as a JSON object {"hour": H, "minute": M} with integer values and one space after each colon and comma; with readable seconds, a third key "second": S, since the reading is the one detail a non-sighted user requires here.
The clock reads {"hour": 9, "minute": 4}
